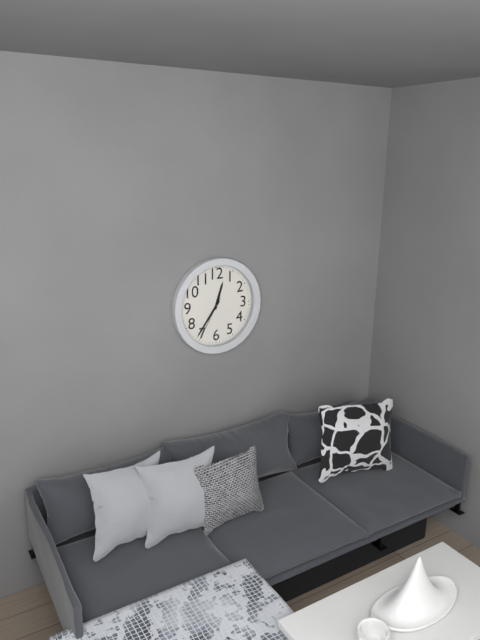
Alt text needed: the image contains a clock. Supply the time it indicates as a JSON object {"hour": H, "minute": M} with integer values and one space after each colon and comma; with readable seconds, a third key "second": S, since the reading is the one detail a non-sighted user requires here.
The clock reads {"hour": 12, "minute": 36}
